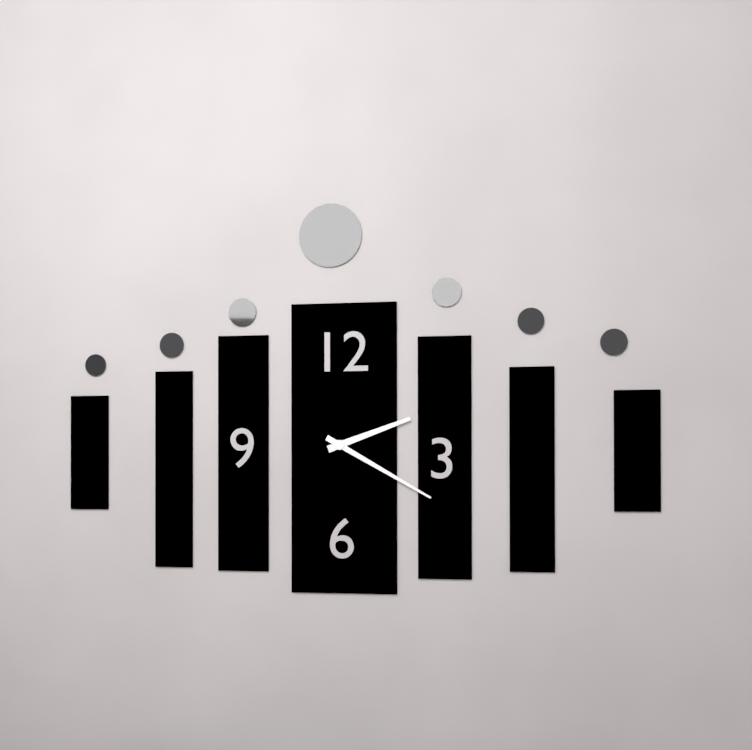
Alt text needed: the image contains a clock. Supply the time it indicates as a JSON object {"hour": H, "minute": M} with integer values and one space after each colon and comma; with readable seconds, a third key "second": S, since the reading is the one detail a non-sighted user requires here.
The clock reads {"hour": 2, "minute": 20}
